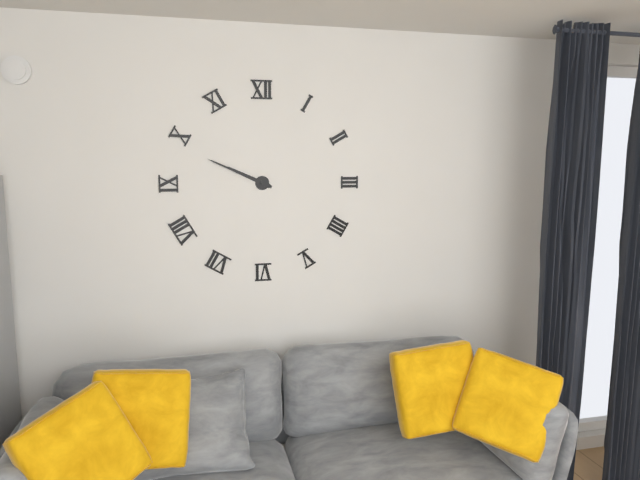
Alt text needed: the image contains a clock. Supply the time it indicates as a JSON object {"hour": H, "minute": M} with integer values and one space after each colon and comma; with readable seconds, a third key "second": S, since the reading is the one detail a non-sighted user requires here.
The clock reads {"hour": 9, "minute": 49}
